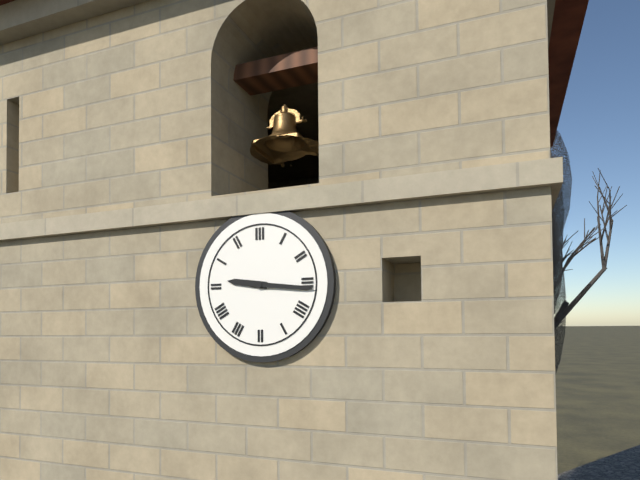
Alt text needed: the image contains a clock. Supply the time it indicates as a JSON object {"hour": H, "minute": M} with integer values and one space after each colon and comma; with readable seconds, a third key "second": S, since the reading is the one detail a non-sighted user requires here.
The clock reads {"hour": 9, "minute": 16}
